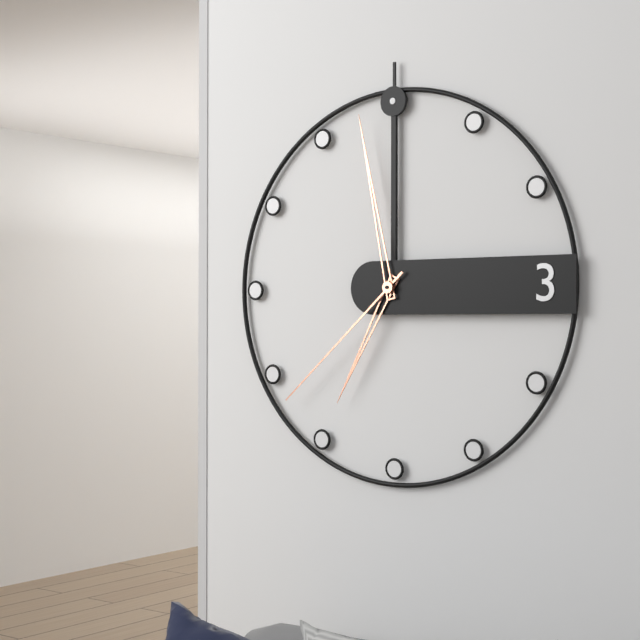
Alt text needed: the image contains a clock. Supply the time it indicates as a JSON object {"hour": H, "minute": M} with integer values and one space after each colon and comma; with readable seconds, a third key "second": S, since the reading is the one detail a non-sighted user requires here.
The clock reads {"hour": 6, "minute": 58, "second": 38}
